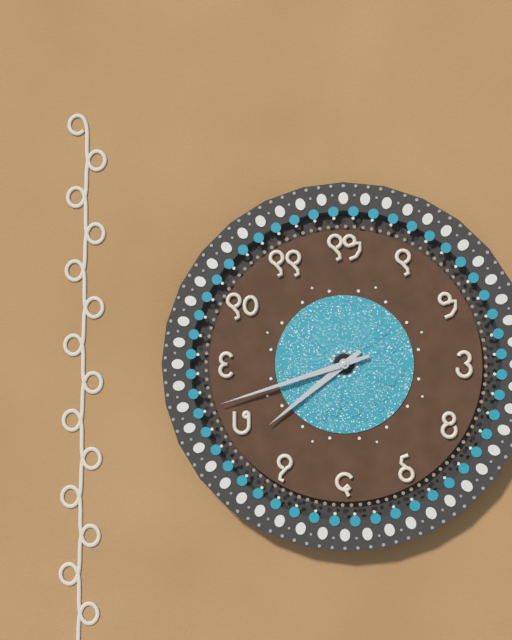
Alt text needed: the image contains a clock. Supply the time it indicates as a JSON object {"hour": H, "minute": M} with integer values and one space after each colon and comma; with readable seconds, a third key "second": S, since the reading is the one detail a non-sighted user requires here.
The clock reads {"hour": 7, "minute": 42}
